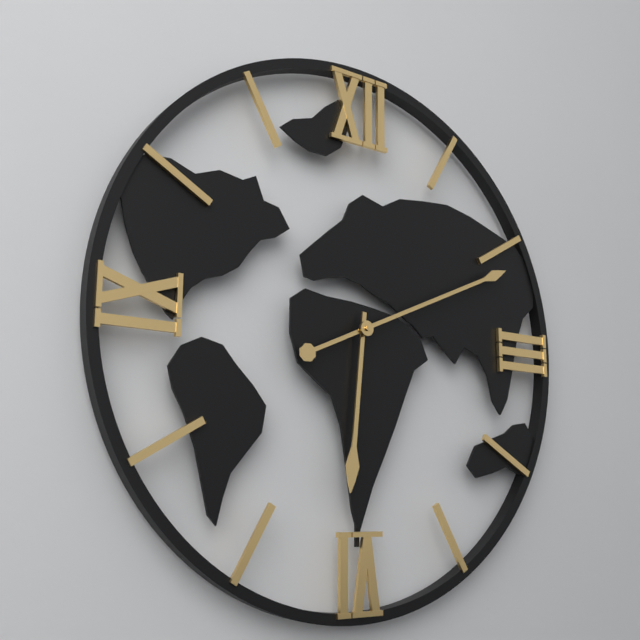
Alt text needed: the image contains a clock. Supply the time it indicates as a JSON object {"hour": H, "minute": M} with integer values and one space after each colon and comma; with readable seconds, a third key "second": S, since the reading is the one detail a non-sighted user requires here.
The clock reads {"hour": 6, "minute": 11}
